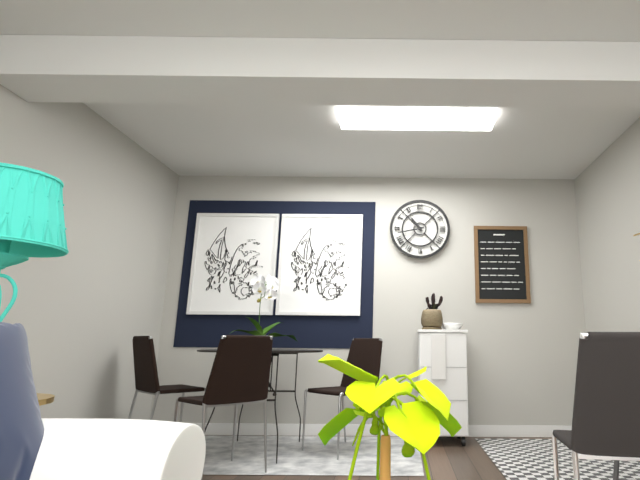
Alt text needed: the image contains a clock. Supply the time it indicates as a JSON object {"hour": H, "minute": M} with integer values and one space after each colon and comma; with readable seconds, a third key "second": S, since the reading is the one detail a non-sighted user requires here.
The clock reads {"hour": 10, "minute": 43}
